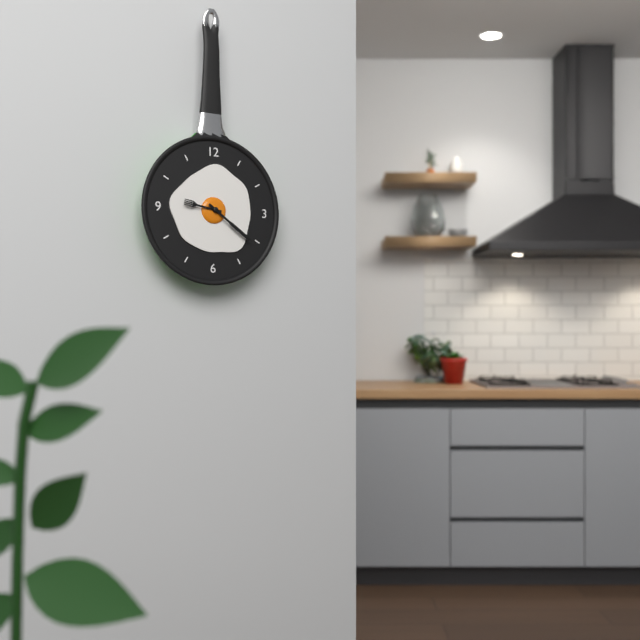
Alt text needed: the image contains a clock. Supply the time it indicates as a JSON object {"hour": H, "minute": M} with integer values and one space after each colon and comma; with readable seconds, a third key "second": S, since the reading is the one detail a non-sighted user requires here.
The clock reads {"hour": 9, "minute": 21}
